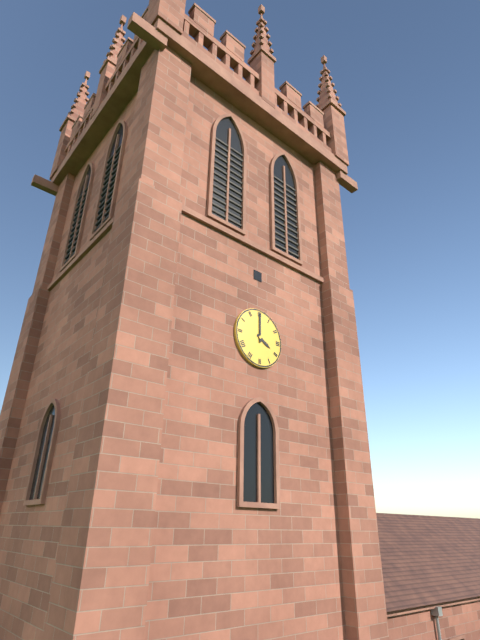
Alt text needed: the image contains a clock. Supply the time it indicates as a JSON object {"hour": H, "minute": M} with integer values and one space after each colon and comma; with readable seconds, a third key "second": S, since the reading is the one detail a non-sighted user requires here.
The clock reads {"hour": 4, "minute": 0}
